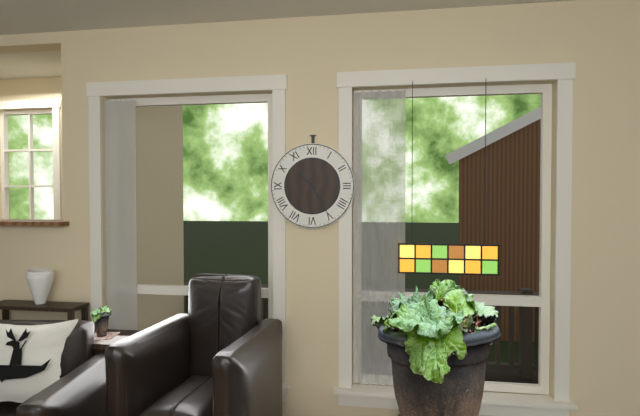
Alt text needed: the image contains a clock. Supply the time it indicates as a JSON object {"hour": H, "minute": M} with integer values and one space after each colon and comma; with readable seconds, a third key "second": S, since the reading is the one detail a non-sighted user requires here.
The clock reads {"hour": 10, "minute": 25}
